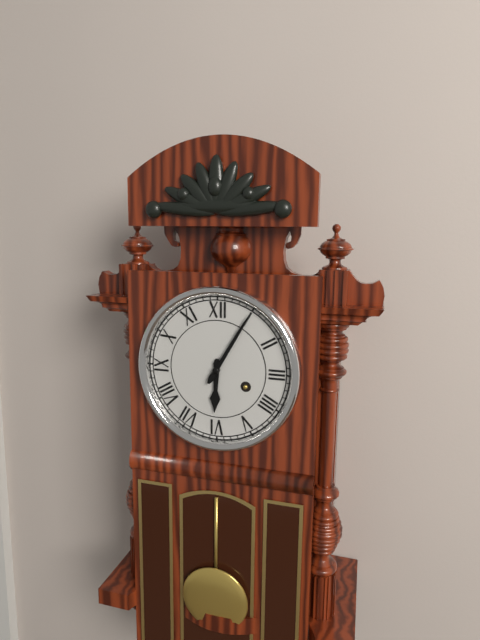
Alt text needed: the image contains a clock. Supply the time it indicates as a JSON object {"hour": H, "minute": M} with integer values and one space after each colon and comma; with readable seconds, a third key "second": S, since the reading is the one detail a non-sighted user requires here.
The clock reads {"hour": 6, "minute": 5}
